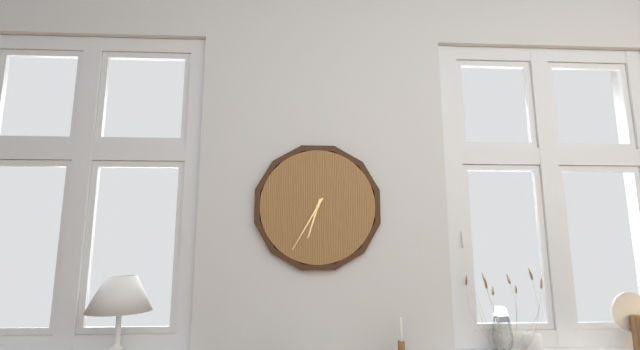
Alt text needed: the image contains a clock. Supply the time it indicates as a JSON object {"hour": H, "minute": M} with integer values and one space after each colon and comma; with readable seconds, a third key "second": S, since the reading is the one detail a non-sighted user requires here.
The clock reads {"hour": 6, "minute": 35}
